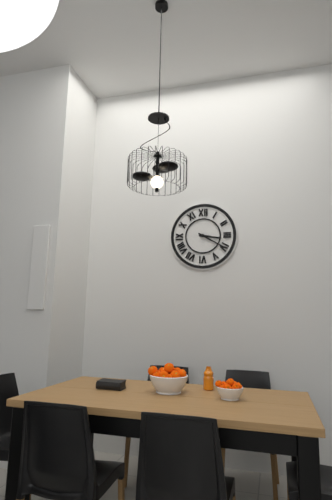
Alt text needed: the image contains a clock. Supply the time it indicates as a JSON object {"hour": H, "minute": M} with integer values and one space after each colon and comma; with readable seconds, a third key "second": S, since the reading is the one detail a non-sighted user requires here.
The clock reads {"hour": 3, "minute": 20}
